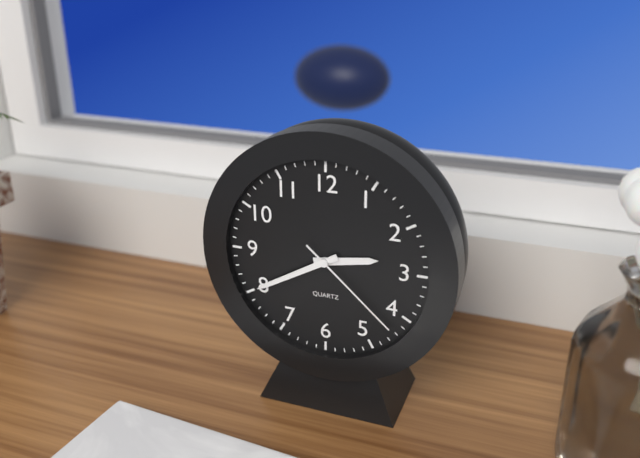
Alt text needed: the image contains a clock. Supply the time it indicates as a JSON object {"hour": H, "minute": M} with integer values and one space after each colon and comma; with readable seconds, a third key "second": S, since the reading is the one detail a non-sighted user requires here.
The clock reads {"hour": 2, "minute": 40, "second": 22}
